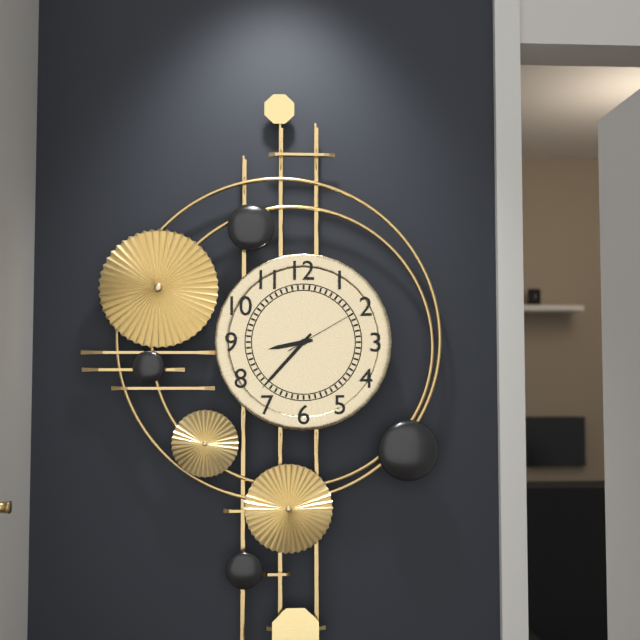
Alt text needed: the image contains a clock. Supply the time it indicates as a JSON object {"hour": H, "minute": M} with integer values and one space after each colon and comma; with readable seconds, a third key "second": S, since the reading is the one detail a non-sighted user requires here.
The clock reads {"hour": 8, "minute": 37, "second": 10}
